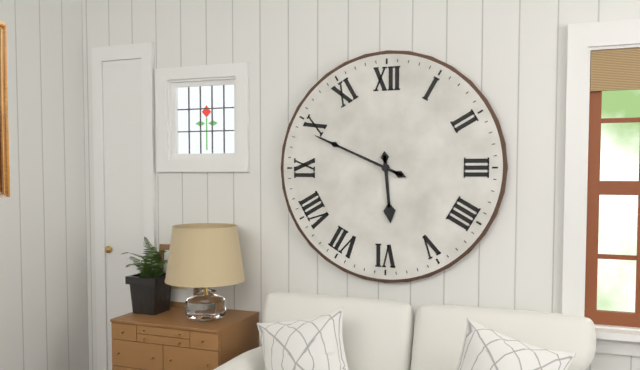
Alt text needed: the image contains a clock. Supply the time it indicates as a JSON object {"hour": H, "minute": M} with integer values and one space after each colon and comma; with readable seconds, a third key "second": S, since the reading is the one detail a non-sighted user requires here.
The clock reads {"hour": 5, "minute": 49}
